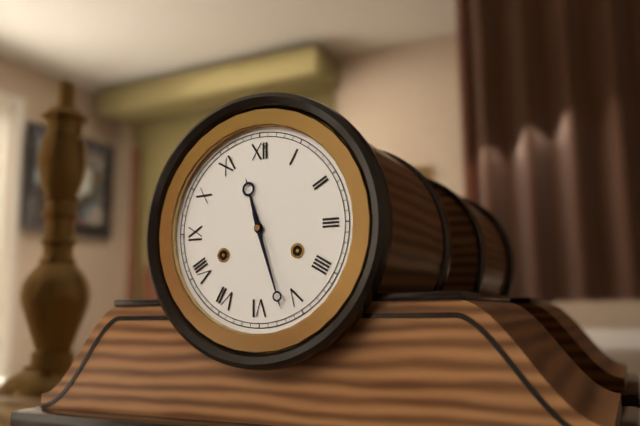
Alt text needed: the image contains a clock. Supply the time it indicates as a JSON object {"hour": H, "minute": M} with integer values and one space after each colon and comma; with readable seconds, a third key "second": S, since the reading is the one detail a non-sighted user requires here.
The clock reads {"hour": 11, "minute": 27}
